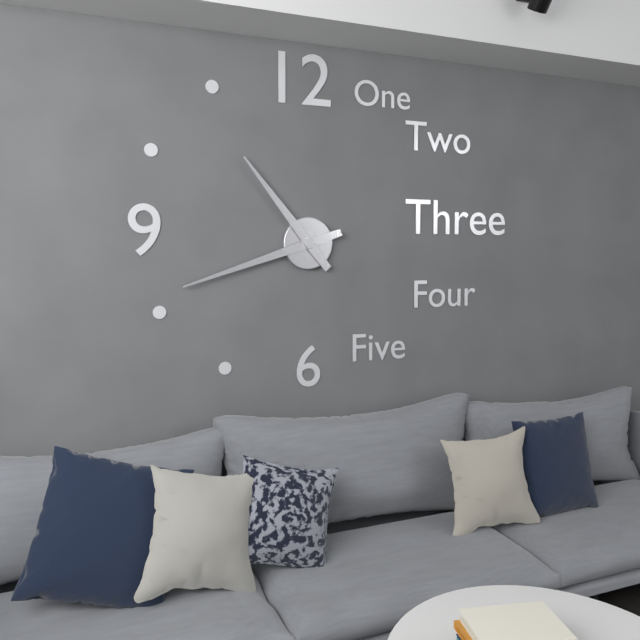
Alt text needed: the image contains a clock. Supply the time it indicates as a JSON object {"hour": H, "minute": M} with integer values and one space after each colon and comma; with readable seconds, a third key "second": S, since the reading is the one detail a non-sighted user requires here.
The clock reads {"hour": 10, "minute": 42}
